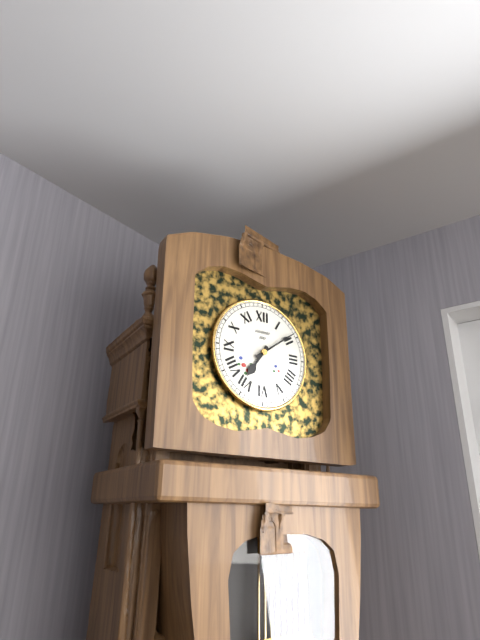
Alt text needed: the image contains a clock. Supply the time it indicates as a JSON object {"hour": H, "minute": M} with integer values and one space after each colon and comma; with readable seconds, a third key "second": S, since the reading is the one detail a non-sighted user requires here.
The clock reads {"hour": 7, "minute": 9}
